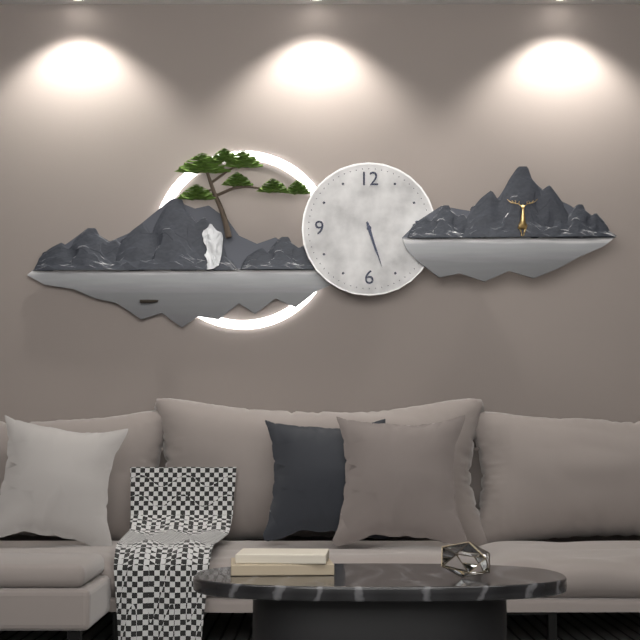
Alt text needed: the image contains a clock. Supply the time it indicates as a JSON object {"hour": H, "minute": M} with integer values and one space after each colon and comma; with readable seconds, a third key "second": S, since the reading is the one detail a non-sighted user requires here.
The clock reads {"hour": 5, "minute": 27}
